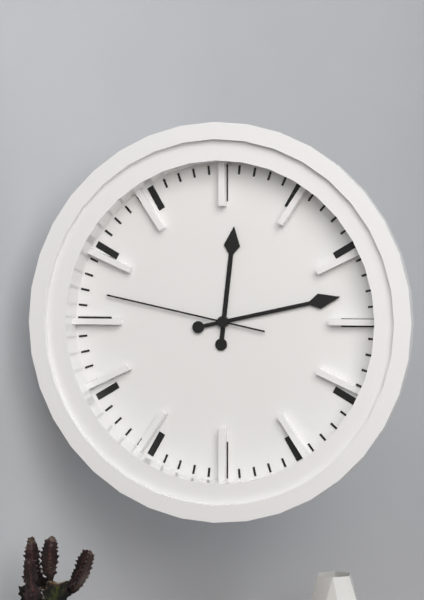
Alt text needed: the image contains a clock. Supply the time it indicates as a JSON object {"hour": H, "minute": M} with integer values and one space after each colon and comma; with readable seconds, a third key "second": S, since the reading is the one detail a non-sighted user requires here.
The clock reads {"hour": 12, "minute": 13, "second": 47}
